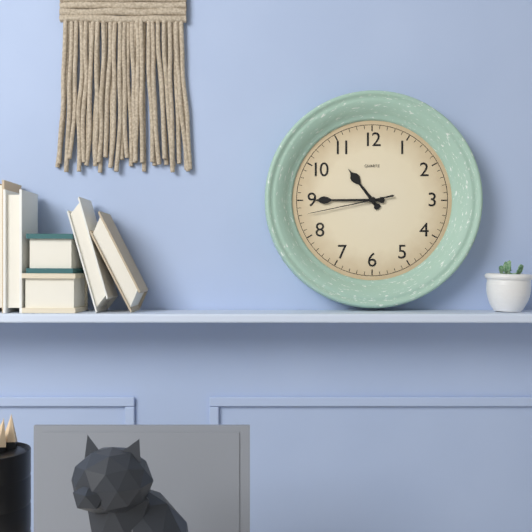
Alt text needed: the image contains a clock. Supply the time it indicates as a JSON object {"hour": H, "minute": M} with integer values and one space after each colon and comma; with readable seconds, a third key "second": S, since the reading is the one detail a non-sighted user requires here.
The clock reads {"hour": 10, "minute": 45, "second": 43}
